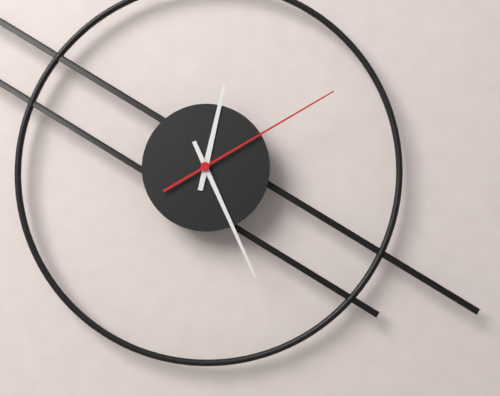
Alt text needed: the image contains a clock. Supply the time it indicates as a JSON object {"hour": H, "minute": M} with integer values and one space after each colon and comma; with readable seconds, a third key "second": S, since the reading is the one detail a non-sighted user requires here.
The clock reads {"hour": 12, "minute": 26, "second": 10}
